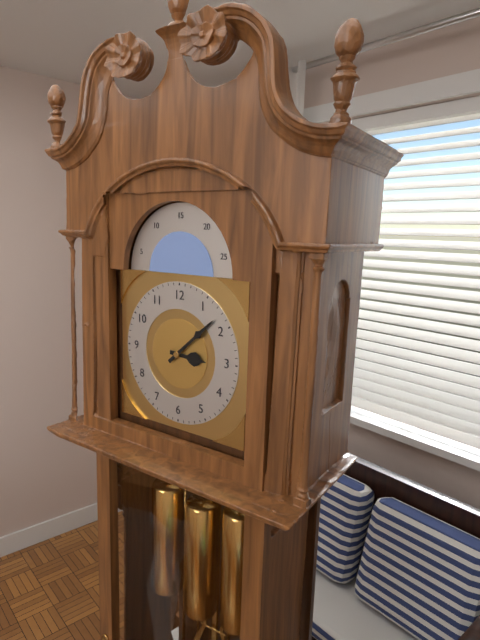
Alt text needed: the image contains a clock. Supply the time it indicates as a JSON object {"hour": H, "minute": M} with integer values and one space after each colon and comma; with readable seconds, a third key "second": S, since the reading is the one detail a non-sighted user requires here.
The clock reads {"hour": 3, "minute": 8}
